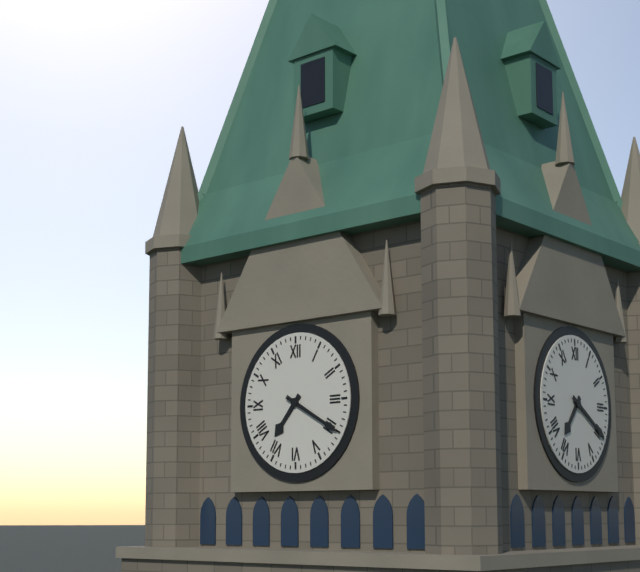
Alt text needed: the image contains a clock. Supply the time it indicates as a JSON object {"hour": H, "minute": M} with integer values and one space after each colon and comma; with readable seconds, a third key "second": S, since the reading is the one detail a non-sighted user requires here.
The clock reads {"hour": 7, "minute": 20}
